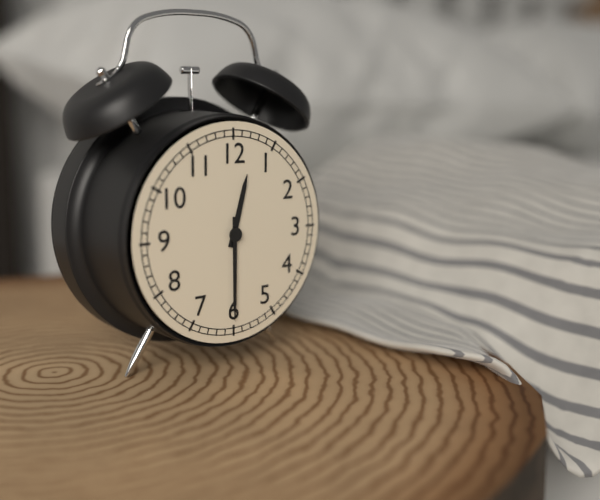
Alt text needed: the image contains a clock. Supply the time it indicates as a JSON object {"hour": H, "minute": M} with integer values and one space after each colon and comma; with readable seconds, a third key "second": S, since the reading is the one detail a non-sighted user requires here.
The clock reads {"hour": 12, "minute": 30}
